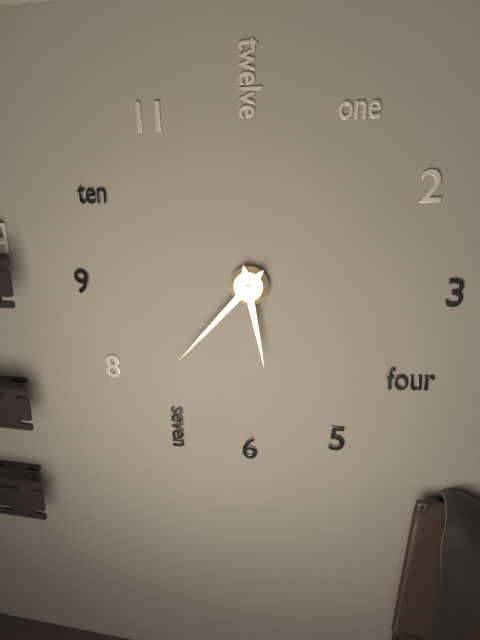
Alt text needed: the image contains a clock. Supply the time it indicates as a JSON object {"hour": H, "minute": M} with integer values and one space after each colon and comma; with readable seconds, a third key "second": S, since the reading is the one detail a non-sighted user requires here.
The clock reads {"hour": 5, "minute": 37}
